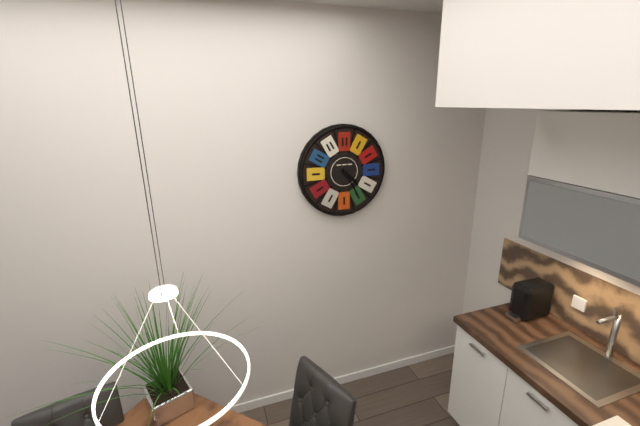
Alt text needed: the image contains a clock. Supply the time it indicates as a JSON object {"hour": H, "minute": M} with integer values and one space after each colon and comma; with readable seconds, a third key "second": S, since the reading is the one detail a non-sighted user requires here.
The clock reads {"hour": 4, "minute": 25}
